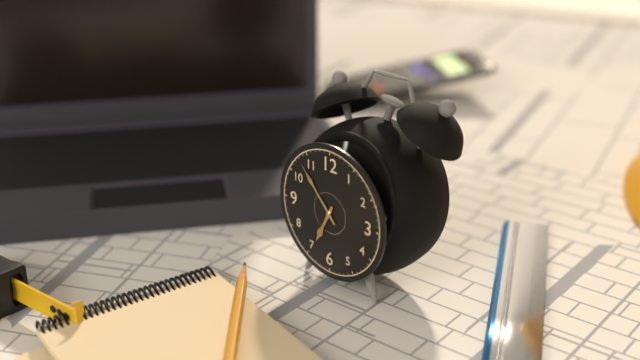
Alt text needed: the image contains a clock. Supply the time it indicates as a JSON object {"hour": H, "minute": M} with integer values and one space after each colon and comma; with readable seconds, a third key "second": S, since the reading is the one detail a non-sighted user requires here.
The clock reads {"hour": 6, "minute": 53}
